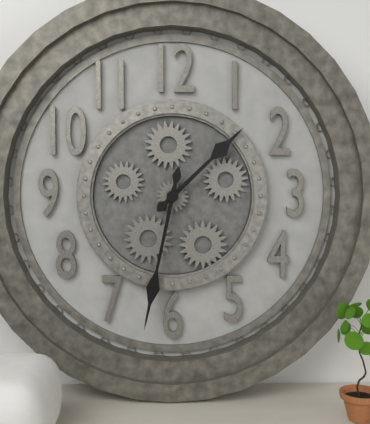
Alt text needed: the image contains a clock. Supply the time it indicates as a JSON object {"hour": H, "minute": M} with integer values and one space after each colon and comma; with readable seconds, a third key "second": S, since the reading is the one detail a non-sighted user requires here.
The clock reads {"hour": 1, "minute": 32}
